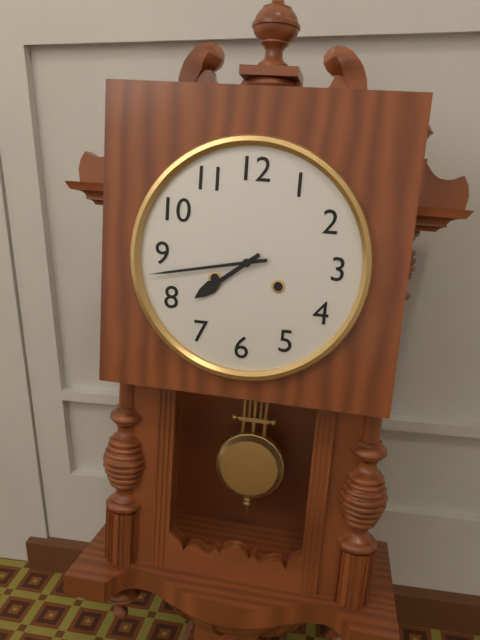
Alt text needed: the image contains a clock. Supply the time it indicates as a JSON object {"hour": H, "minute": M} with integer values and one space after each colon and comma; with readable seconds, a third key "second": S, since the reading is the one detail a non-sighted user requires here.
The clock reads {"hour": 7, "minute": 43}
